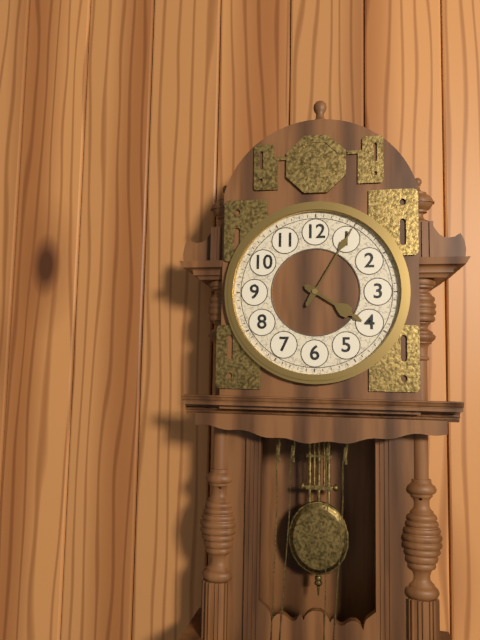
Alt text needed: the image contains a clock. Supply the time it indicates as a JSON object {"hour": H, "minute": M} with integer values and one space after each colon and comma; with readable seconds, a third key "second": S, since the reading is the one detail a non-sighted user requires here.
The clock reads {"hour": 4, "minute": 5}
